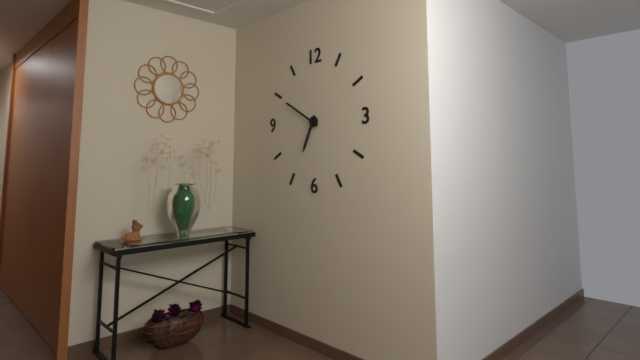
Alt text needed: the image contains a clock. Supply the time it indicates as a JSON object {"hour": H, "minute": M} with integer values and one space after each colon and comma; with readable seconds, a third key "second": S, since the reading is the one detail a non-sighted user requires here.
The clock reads {"hour": 6, "minute": 50}
